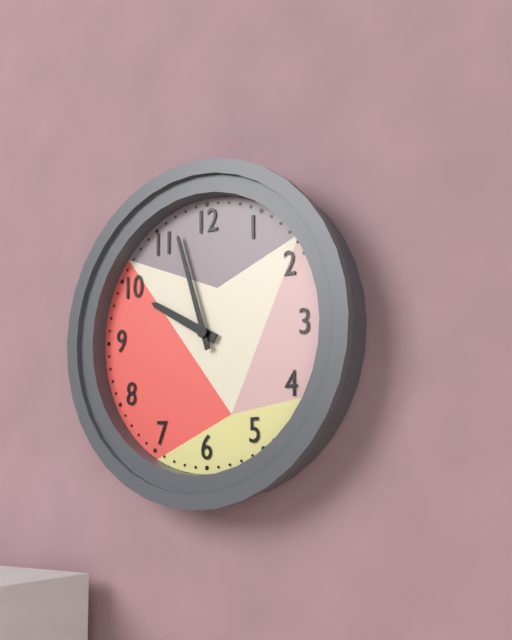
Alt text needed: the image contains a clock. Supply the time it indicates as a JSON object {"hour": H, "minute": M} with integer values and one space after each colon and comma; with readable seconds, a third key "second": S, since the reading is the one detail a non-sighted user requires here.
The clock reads {"hour": 9, "minute": 57}
